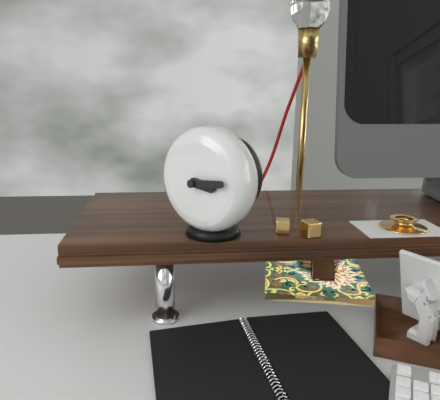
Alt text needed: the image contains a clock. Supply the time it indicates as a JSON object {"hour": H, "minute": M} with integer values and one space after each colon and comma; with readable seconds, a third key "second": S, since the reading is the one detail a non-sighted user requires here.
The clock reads {"hour": 3, "minute": 14}
